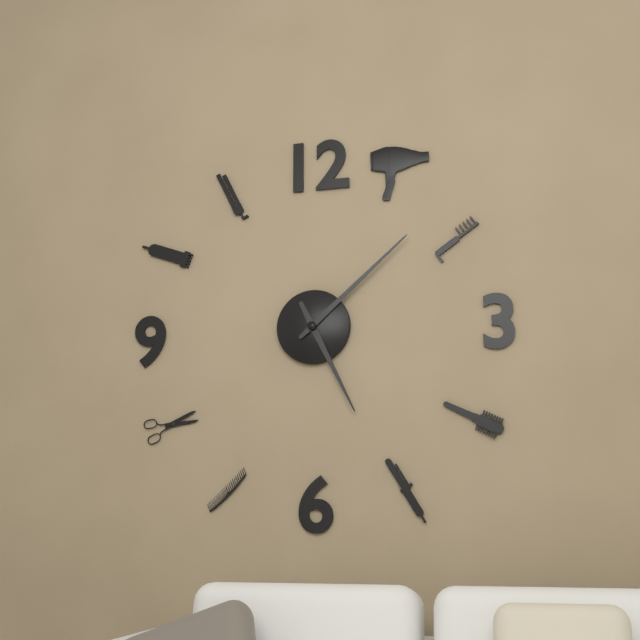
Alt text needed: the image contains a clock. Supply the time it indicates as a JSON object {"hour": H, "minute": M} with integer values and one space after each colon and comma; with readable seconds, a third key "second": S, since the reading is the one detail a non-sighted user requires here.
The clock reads {"hour": 5, "minute": 8}
